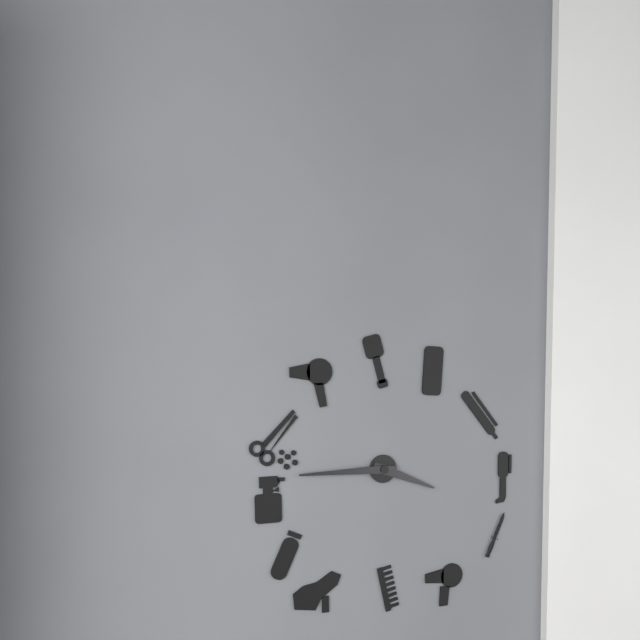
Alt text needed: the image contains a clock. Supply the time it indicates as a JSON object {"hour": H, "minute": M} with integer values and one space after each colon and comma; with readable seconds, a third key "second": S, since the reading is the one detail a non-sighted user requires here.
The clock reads {"hour": 3, "minute": 45}
